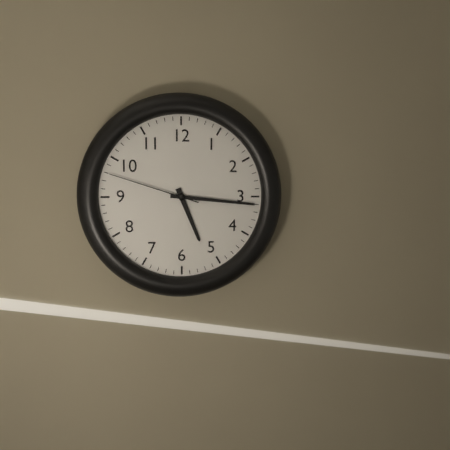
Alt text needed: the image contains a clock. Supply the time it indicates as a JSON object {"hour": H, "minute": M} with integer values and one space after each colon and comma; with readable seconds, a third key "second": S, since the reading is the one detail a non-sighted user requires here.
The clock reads {"hour": 5, "minute": 16, "second": 48}
